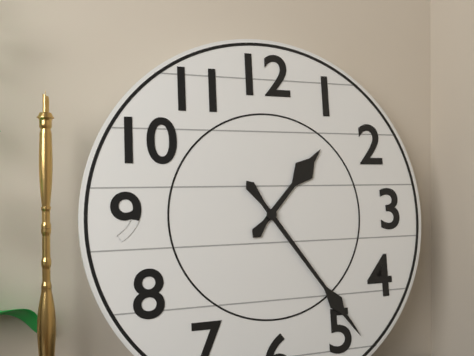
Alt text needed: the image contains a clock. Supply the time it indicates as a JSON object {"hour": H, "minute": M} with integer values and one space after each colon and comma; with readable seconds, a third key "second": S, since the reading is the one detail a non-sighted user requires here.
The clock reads {"hour": 1, "minute": 24}
